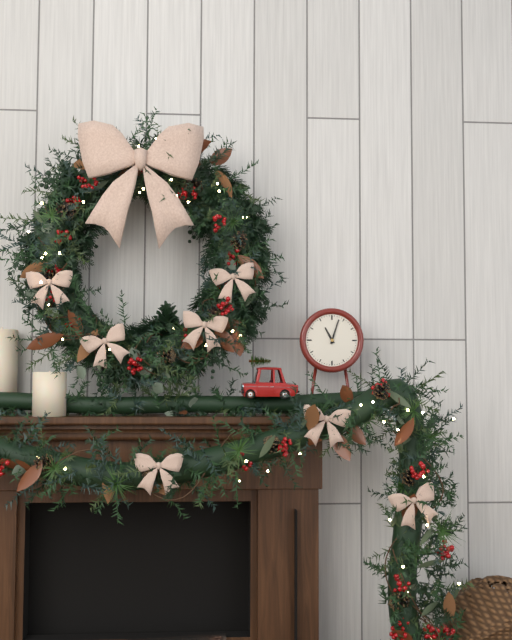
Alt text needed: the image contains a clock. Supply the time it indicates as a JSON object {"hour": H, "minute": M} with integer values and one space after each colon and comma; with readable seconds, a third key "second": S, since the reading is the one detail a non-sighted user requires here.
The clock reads {"hour": 11, "minute": 3}
